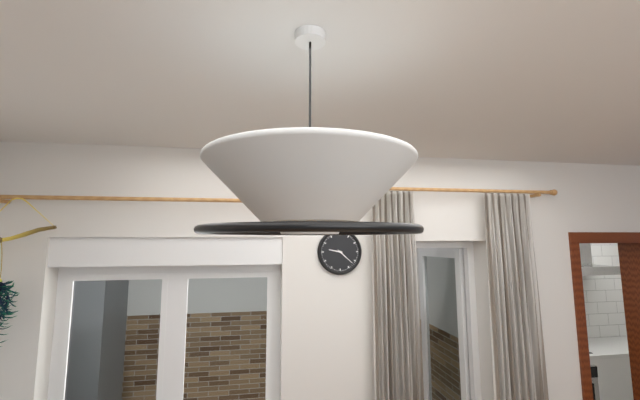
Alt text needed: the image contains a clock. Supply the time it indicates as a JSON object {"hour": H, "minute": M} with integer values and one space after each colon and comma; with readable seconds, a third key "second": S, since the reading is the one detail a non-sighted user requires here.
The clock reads {"hour": 9, "minute": 22}
